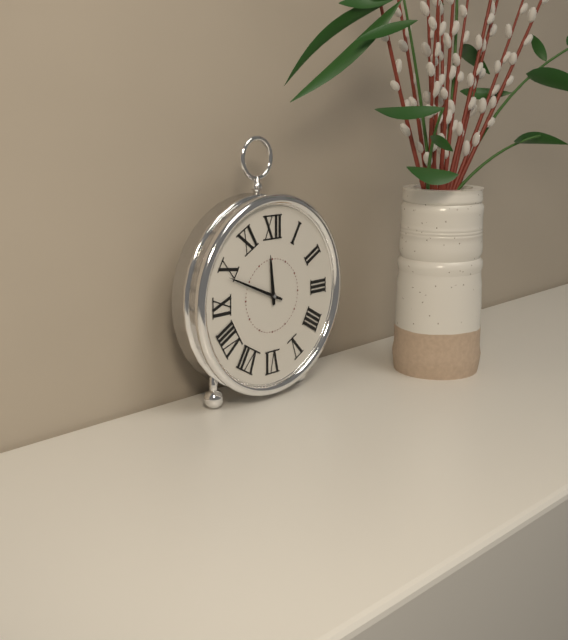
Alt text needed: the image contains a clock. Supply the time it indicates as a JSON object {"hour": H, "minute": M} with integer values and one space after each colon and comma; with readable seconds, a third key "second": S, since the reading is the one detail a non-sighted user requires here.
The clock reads {"hour": 11, "minute": 49}
